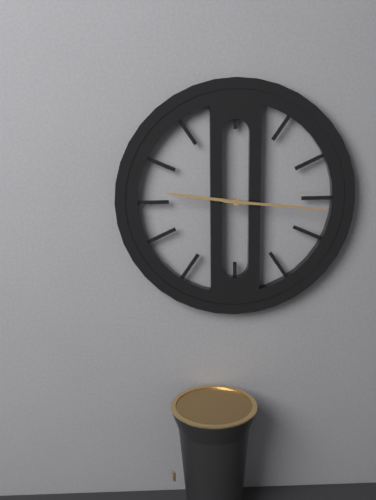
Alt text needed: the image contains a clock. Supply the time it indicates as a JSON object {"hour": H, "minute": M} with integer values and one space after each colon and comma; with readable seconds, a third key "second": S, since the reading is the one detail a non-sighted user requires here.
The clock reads {"hour": 9, "minute": 16}
